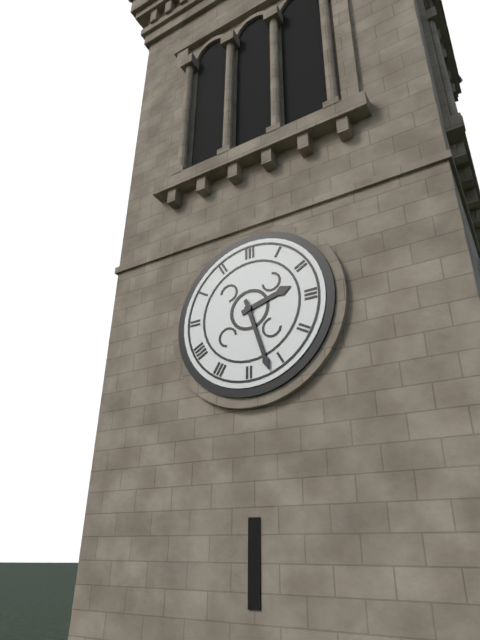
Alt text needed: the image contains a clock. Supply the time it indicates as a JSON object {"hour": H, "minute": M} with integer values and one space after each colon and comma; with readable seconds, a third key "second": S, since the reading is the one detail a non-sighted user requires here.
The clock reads {"hour": 2, "minute": 27}
